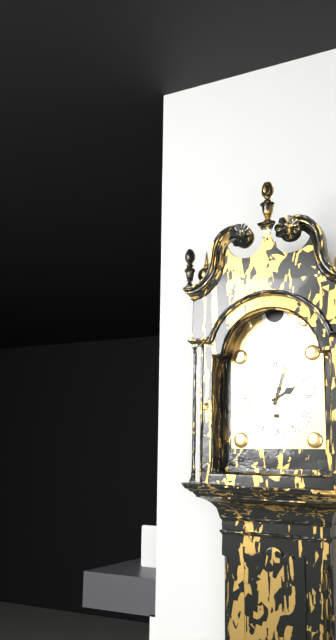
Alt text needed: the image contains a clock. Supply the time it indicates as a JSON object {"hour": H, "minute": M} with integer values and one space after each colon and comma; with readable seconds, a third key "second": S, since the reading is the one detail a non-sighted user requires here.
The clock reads {"hour": 2, "minute": 3}
